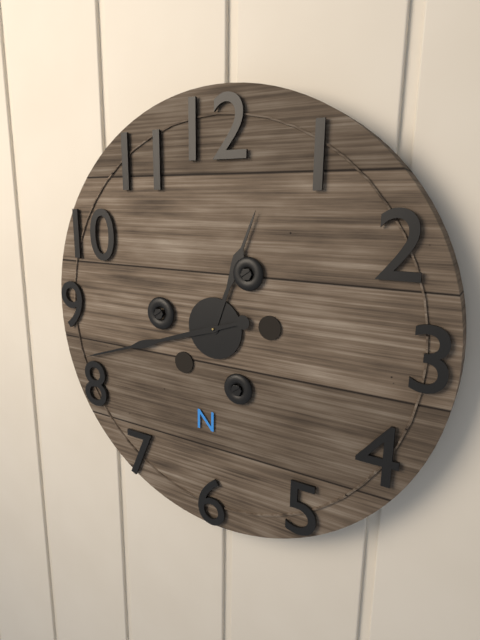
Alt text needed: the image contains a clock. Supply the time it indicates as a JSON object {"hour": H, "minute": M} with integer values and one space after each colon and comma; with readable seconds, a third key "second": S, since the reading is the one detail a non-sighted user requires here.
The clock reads {"hour": 12, "minute": 42}
